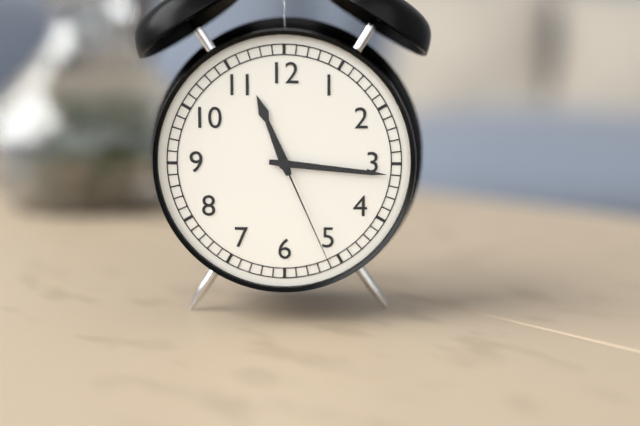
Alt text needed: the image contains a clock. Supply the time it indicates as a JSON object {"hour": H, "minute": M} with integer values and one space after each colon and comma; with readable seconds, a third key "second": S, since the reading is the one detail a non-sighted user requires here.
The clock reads {"hour": 11, "minute": 16, "second": 26}
